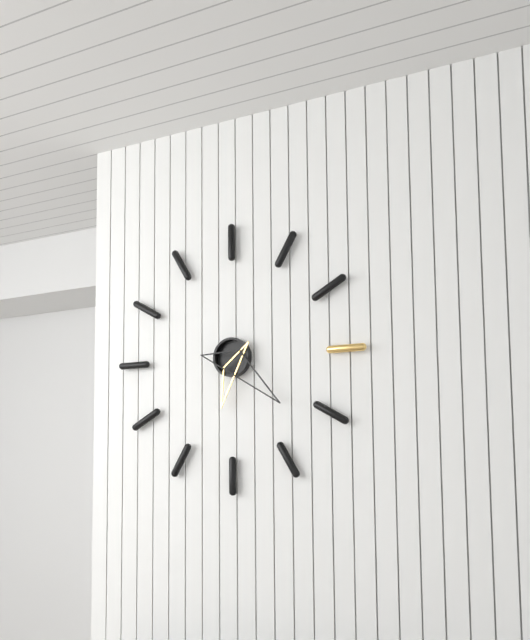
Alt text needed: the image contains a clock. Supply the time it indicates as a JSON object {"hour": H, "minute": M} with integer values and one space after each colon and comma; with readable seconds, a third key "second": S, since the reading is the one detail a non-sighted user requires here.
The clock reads {"hour": 6, "minute": 22}
